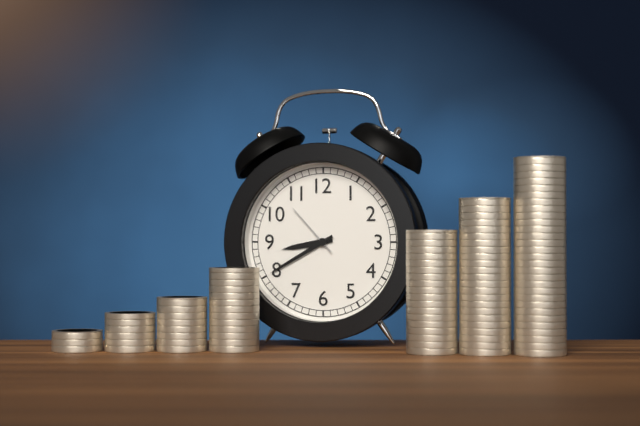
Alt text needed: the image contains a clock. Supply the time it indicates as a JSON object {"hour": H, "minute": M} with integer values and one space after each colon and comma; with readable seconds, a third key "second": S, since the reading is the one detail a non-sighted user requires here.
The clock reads {"hour": 8, "minute": 40, "second": 53}
